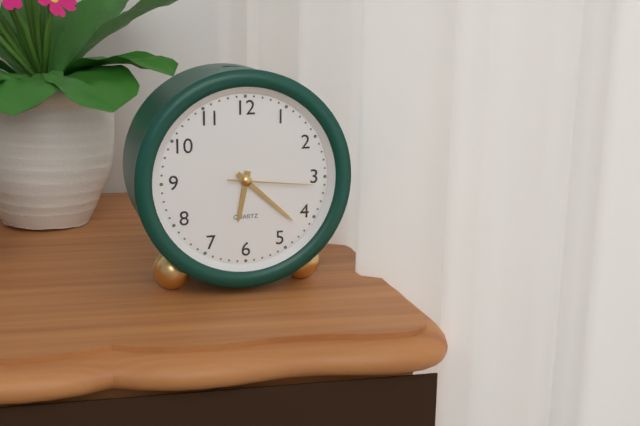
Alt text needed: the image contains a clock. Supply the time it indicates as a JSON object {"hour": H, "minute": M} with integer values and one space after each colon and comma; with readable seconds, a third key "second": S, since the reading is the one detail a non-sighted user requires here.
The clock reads {"hour": 6, "minute": 22, "second": 16}
